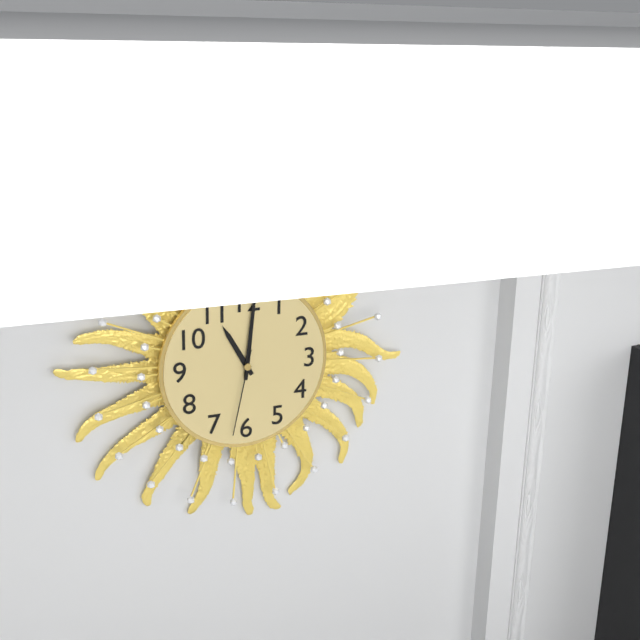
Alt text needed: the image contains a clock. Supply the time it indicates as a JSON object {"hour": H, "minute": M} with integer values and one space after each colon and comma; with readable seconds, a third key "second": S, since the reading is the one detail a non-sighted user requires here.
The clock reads {"hour": 11, "minute": 1, "second": 32}
